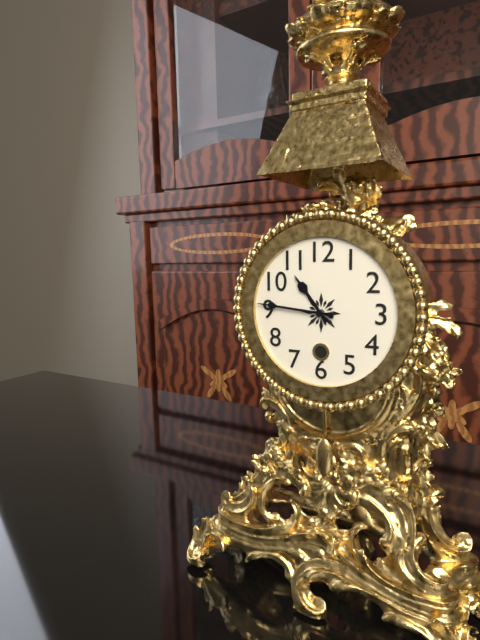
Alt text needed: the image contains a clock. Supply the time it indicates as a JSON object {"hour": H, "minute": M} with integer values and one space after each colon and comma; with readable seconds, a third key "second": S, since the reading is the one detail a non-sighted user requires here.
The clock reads {"hour": 10, "minute": 46}
